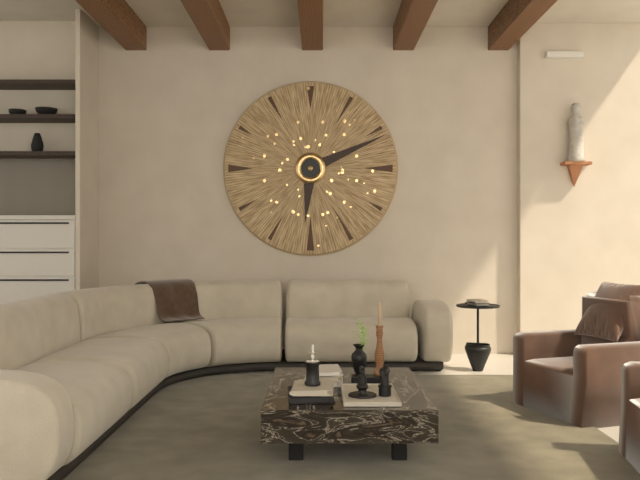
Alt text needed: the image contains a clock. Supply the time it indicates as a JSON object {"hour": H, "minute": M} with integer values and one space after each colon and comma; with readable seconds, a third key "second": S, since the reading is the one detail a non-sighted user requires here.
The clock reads {"hour": 6, "minute": 11}
